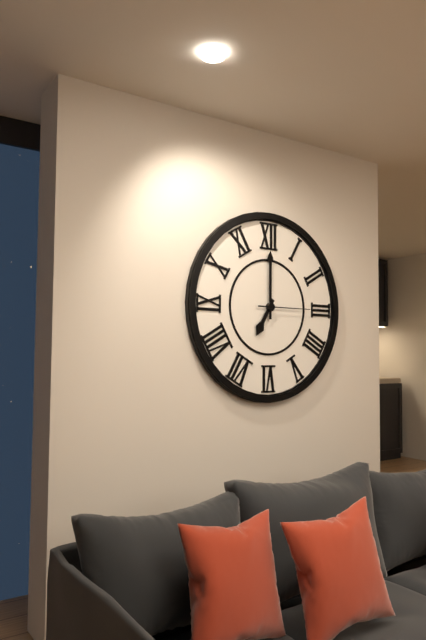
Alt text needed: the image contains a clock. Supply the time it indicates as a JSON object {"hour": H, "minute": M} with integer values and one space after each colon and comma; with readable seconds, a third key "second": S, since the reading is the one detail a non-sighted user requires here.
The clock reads {"hour": 7, "minute": 0}
